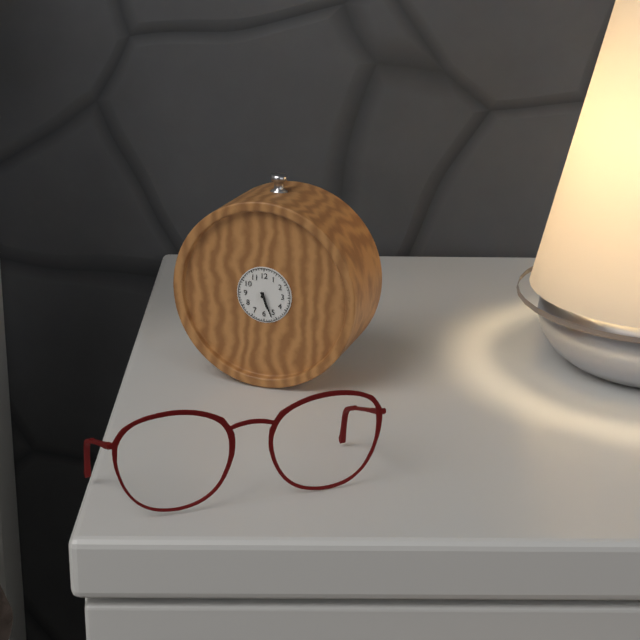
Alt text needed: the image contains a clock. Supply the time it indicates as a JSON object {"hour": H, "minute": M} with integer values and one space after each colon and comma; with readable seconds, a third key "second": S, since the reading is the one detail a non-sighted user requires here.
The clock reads {"hour": 5, "minute": 26}
